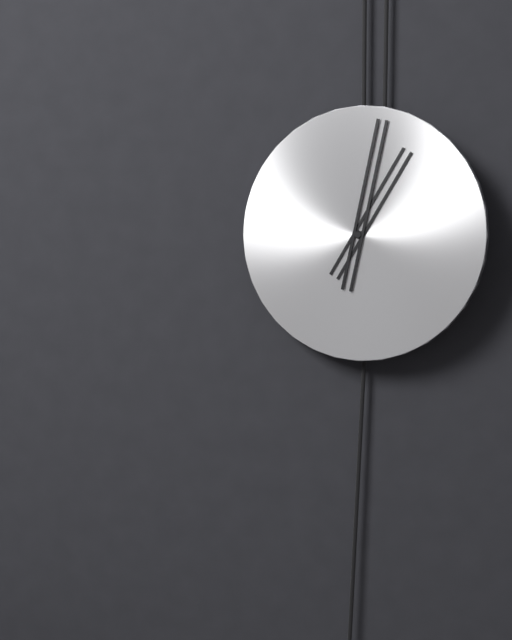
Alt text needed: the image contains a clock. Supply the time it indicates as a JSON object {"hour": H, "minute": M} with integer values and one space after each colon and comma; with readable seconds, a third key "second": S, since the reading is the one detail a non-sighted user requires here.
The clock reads {"hour": 1, "minute": 2}
